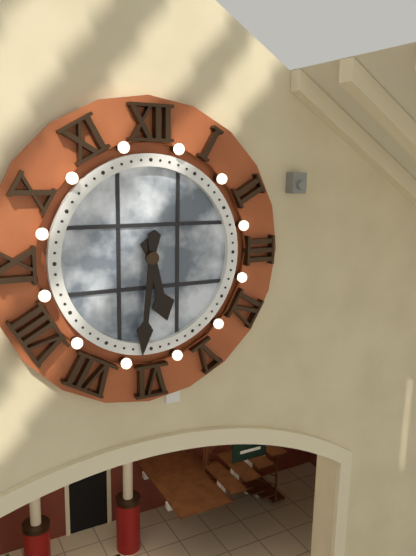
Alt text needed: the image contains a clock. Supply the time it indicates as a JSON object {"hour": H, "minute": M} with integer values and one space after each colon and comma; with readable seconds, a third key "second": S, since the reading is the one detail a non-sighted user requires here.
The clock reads {"hour": 5, "minute": 31}
